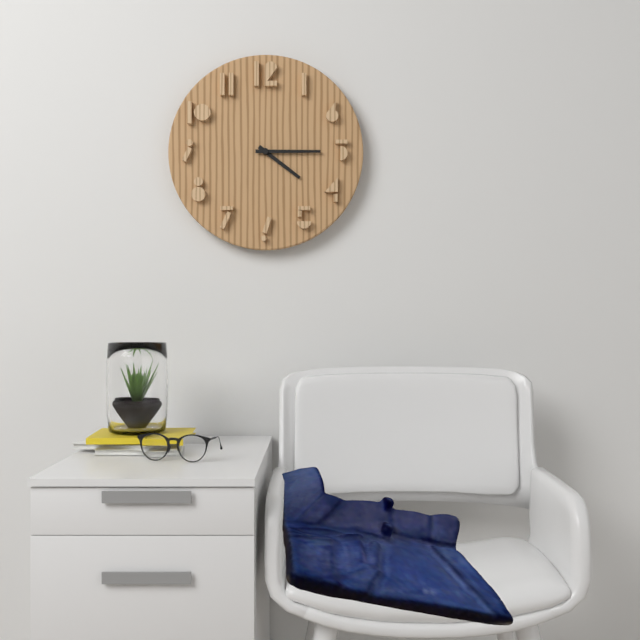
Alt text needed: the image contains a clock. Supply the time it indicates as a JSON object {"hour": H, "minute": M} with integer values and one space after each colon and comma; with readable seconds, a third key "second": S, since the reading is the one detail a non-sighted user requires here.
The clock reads {"hour": 4, "minute": 15}
